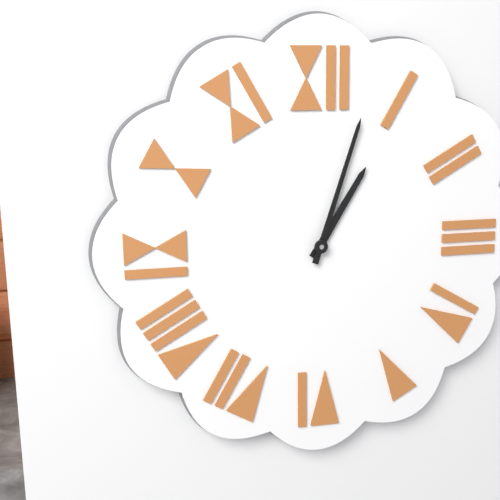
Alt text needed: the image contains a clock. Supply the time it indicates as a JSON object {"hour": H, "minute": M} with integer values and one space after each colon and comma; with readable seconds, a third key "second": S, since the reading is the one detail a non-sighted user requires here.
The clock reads {"hour": 1, "minute": 3}
